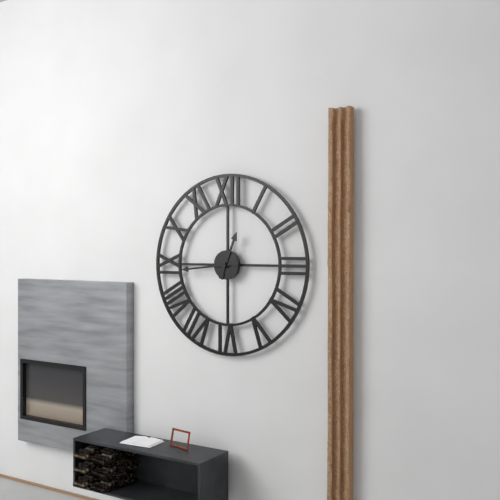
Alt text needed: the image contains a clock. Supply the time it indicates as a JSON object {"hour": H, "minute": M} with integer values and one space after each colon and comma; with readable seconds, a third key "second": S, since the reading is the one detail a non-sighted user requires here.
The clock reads {"hour": 12, "minute": 44}
